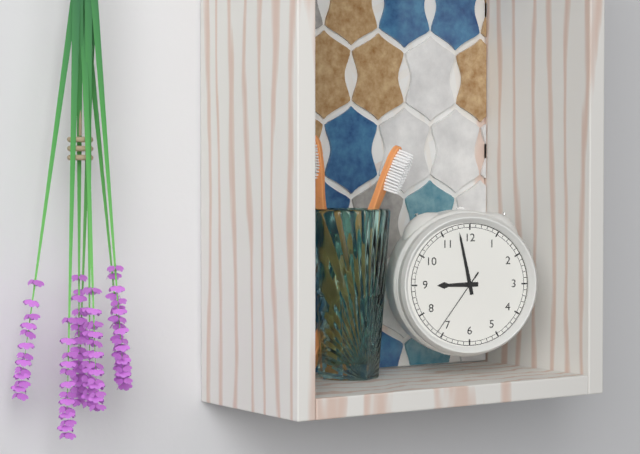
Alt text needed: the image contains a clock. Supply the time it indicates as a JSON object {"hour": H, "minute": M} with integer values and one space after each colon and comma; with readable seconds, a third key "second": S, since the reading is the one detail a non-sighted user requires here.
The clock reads {"hour": 8, "minute": 58, "second": 36}
